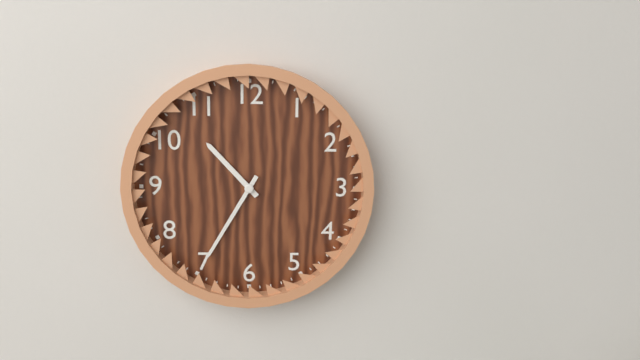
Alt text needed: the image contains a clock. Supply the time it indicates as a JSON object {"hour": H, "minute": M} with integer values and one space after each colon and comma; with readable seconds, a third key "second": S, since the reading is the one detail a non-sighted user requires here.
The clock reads {"hour": 10, "minute": 35}
